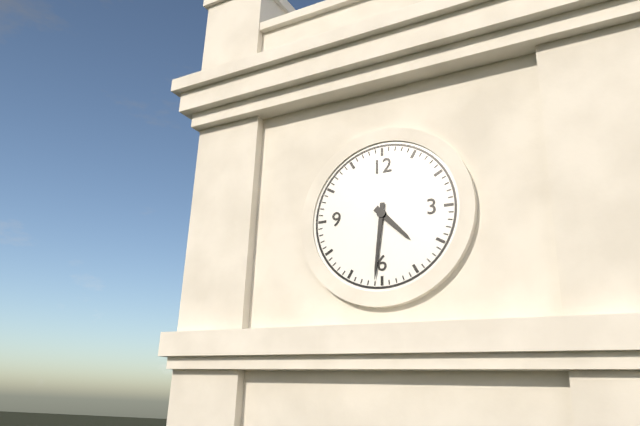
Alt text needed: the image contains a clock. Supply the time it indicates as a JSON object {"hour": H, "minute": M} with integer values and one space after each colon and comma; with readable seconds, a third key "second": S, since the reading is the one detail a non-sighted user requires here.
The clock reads {"hour": 4, "minute": 31}
